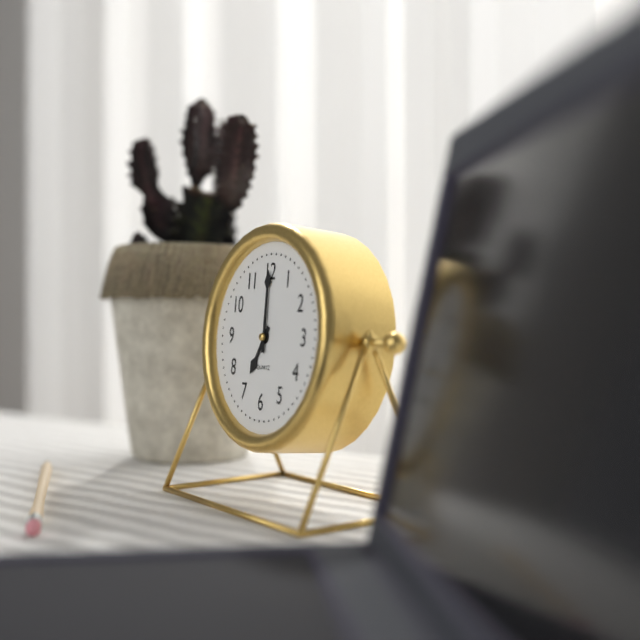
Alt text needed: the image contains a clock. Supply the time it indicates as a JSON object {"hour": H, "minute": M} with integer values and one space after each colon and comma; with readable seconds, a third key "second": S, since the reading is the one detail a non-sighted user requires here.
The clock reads {"hour": 7, "minute": 0}
